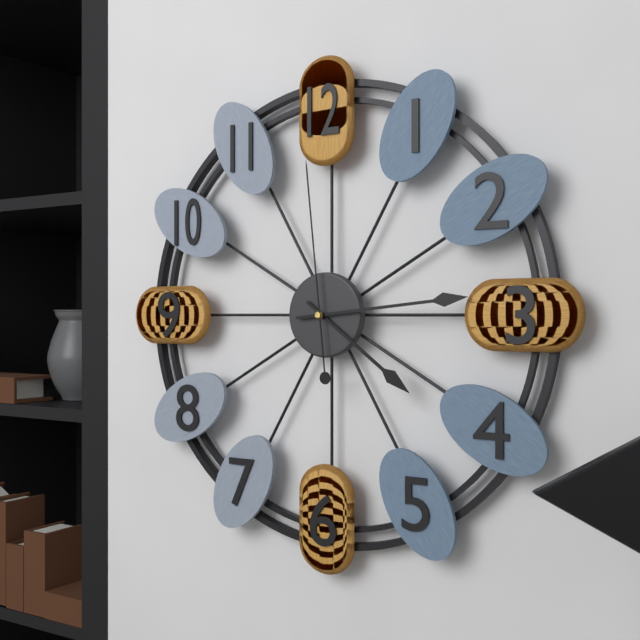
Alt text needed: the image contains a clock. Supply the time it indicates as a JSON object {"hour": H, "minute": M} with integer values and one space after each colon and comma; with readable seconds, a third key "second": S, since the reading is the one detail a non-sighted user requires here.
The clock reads {"hour": 4, "minute": 14, "second": 59}
